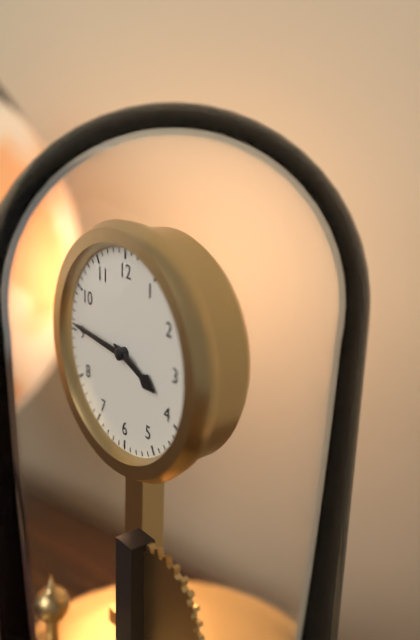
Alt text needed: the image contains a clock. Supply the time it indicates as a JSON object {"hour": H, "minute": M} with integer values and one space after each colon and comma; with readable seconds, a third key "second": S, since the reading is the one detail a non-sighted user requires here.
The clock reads {"hour": 3, "minute": 46}
